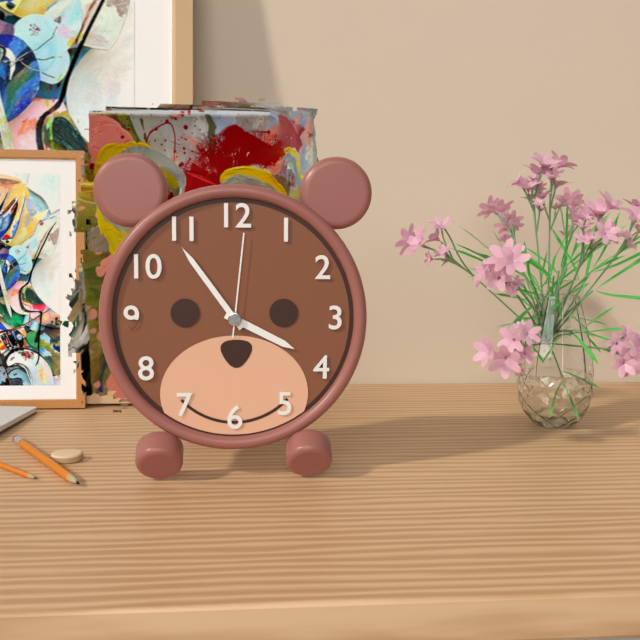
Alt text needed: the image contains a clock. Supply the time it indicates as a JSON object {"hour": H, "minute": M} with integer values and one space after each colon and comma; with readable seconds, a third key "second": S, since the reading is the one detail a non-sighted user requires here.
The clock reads {"hour": 3, "minute": 54, "second": 1}
